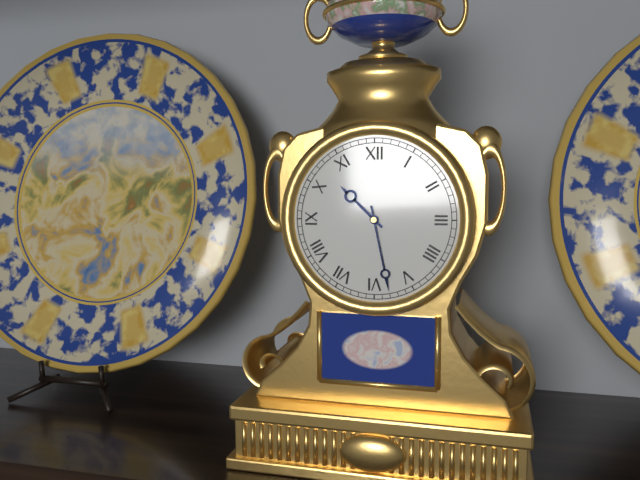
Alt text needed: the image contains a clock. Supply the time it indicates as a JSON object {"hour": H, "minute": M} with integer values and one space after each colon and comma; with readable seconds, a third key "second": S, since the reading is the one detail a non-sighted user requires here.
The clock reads {"hour": 10, "minute": 28}
